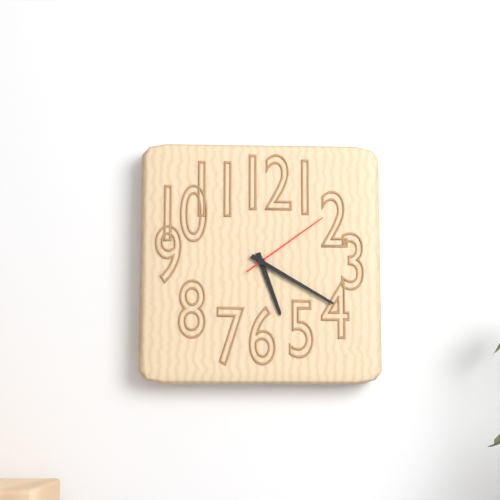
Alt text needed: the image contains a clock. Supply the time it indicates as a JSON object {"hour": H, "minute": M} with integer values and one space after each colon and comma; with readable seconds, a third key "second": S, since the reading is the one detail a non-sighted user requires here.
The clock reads {"hour": 5, "minute": 20, "second": 9}
